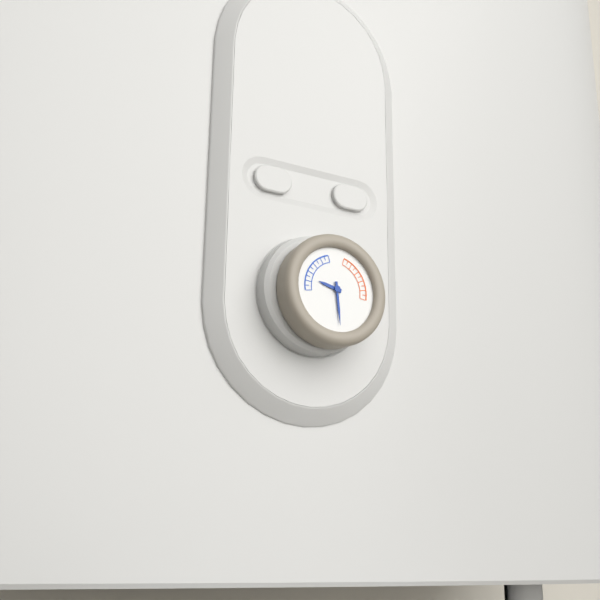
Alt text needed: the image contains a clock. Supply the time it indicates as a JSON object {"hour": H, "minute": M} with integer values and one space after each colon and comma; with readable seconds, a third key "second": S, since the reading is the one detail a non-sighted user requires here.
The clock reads {"hour": 9, "minute": 29}
